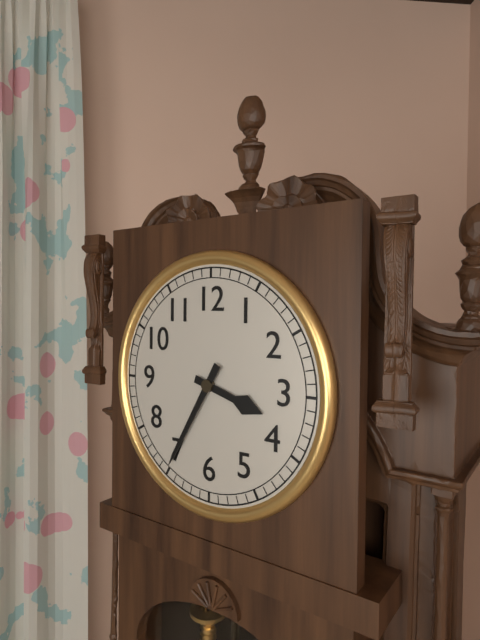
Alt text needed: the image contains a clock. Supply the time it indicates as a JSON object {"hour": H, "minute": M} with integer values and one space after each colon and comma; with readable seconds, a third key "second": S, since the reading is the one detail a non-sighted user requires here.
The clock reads {"hour": 3, "minute": 35}
